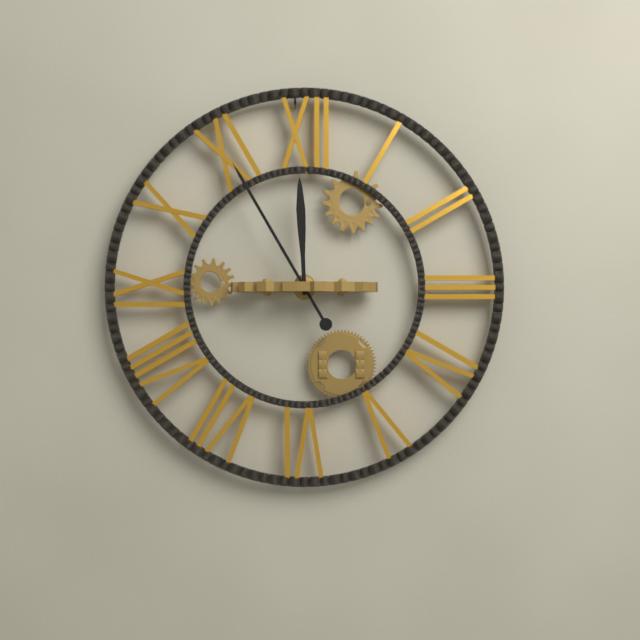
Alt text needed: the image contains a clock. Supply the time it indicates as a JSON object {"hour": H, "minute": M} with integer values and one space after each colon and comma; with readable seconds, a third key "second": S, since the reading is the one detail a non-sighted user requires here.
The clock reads {"hour": 11, "minute": 55}
